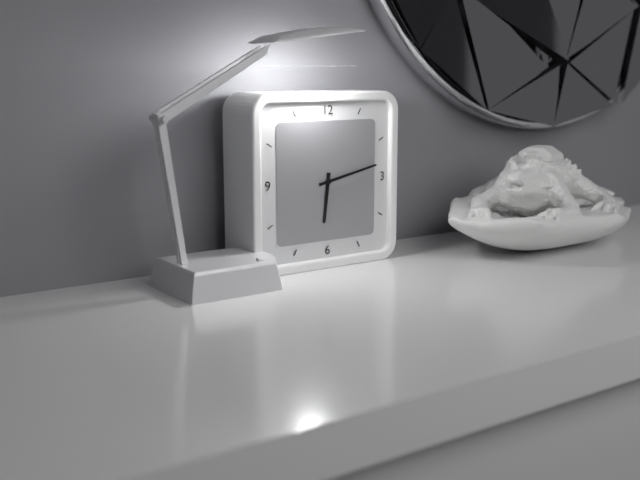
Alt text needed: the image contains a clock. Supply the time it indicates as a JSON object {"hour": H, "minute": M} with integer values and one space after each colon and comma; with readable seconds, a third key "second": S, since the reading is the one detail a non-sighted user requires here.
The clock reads {"hour": 6, "minute": 13}
